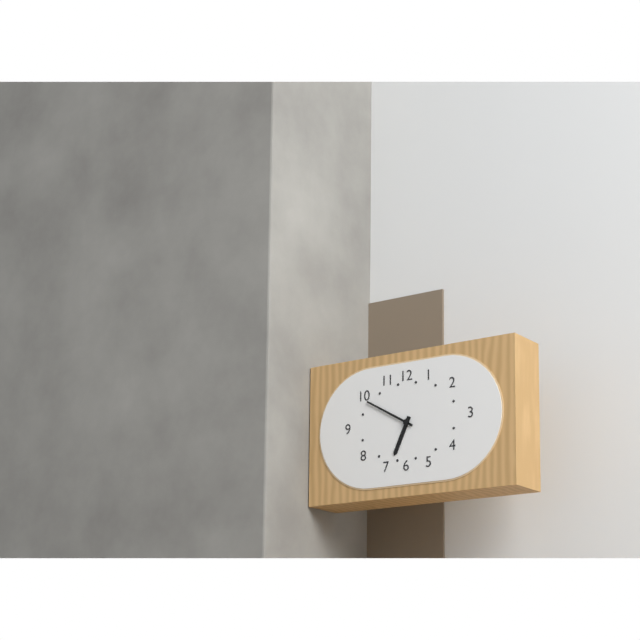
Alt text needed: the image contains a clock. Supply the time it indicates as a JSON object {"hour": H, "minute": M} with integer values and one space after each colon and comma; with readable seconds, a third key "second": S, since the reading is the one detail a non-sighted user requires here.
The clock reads {"hour": 6, "minute": 50}
